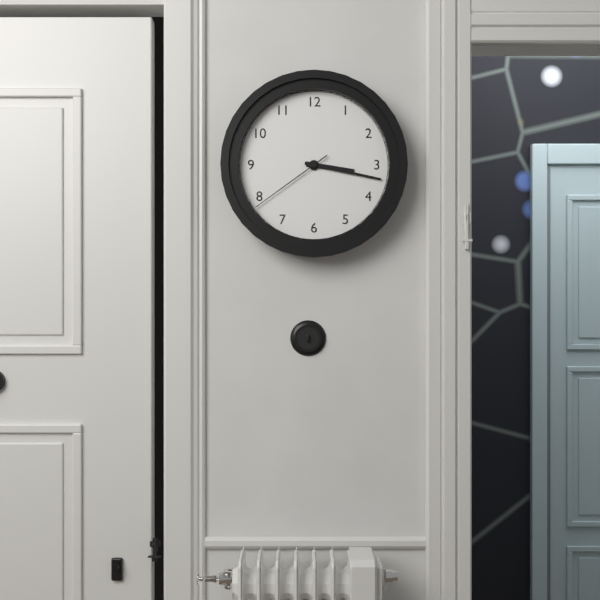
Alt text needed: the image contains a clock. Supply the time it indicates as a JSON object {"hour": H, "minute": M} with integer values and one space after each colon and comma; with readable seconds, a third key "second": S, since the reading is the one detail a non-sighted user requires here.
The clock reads {"hour": 3, "minute": 17, "second": 39}
